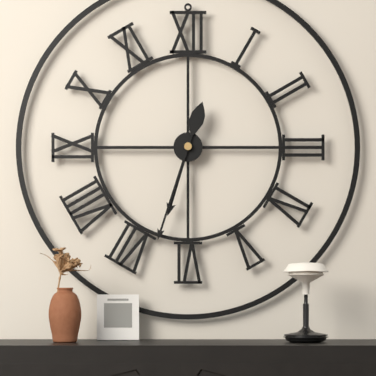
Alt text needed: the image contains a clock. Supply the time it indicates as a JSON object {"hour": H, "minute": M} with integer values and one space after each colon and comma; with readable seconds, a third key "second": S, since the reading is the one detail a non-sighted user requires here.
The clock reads {"hour": 6, "minute": 33}
